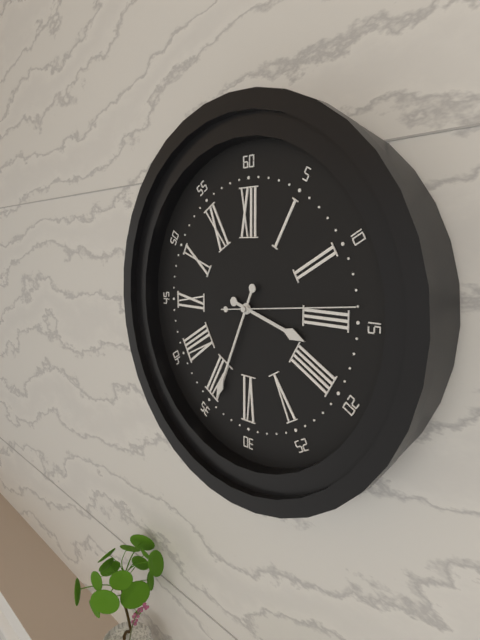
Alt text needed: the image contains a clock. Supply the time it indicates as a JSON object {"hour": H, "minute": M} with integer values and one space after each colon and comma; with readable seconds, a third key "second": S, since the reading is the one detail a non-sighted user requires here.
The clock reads {"hour": 3, "minute": 34, "second": 14}
